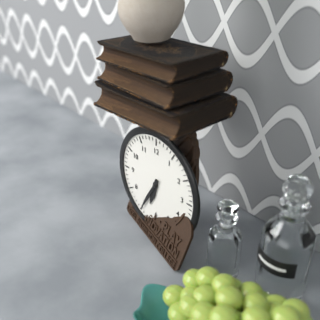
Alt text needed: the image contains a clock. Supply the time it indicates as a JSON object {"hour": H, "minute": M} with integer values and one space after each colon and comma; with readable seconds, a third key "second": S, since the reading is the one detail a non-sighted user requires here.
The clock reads {"hour": 6, "minute": 35}
